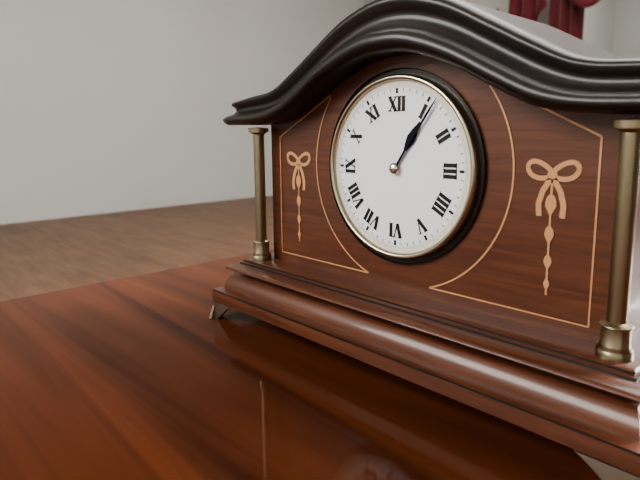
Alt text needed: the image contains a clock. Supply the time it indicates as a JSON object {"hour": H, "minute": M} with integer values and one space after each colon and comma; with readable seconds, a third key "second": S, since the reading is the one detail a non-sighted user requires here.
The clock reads {"hour": 1, "minute": 6}
